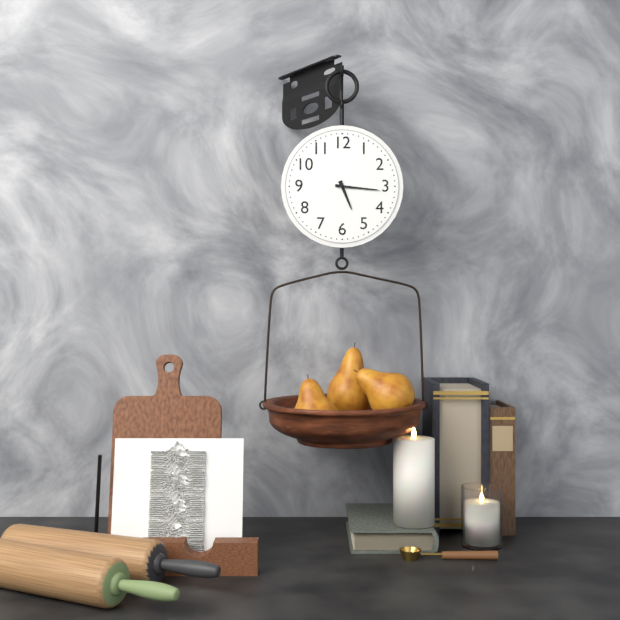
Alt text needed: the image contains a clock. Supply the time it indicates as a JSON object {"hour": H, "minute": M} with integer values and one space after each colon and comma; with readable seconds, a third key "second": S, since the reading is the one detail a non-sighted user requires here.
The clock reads {"hour": 5, "minute": 16}
